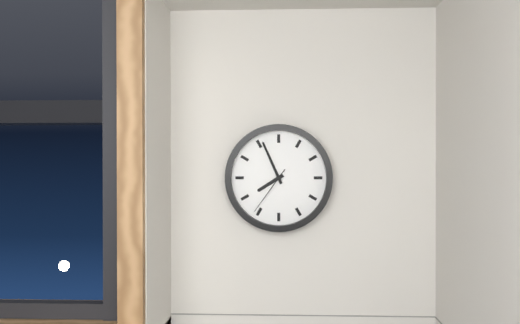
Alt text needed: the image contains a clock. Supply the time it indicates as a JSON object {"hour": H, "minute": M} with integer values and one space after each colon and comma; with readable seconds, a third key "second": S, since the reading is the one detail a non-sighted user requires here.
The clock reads {"hour": 7, "minute": 56, "second": 36}
